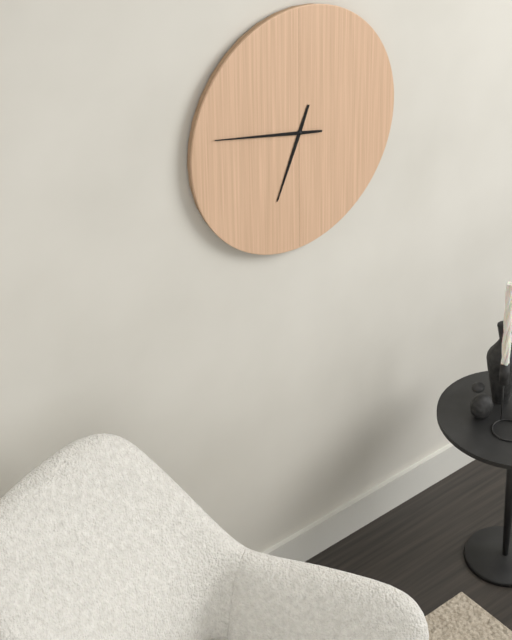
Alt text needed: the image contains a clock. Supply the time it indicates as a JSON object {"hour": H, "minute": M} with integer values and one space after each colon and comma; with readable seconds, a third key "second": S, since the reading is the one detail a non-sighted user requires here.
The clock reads {"hour": 6, "minute": 47}
